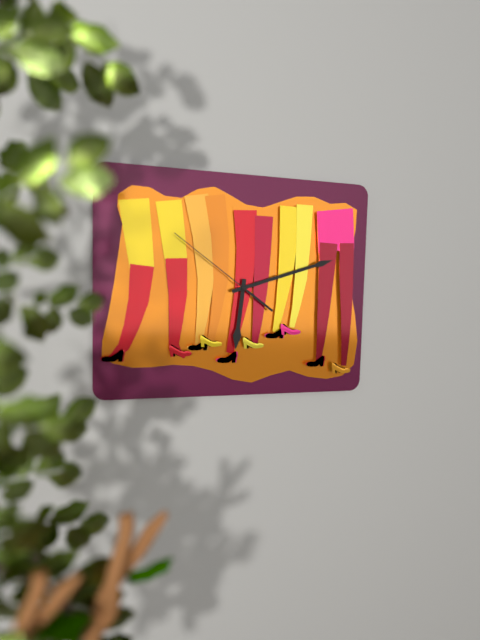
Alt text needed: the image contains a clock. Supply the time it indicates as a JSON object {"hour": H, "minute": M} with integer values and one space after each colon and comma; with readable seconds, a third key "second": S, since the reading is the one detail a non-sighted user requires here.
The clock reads {"hour": 6, "minute": 12, "second": 51}
